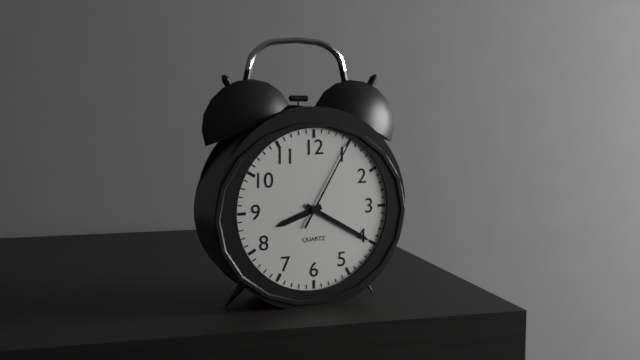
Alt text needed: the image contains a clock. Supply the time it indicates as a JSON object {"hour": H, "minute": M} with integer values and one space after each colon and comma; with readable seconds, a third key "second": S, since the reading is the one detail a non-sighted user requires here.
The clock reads {"hour": 8, "minute": 20, "second": 5}
